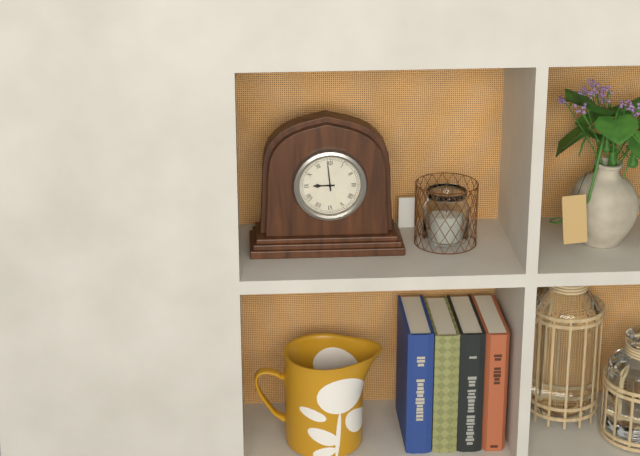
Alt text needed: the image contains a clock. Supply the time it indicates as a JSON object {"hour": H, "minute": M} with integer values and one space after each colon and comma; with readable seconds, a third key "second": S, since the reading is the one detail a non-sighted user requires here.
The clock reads {"hour": 8, "minute": 59}
